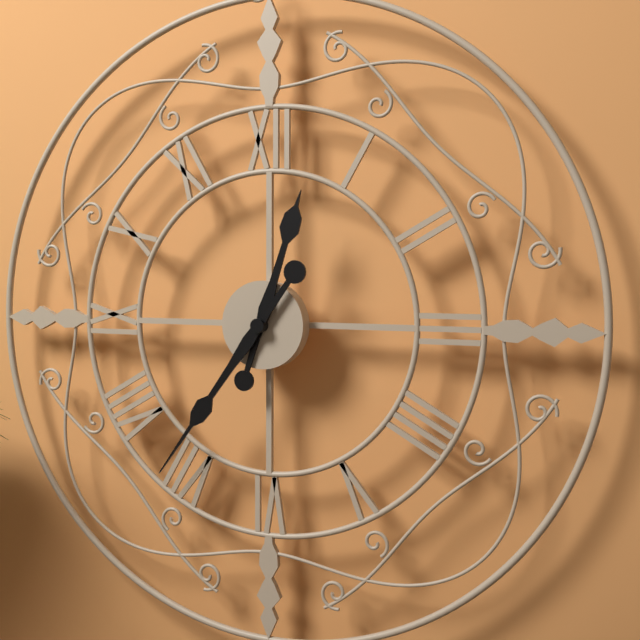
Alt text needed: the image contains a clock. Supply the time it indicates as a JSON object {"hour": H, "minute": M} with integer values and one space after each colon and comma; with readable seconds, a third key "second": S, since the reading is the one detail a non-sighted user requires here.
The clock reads {"hour": 12, "minute": 36}
